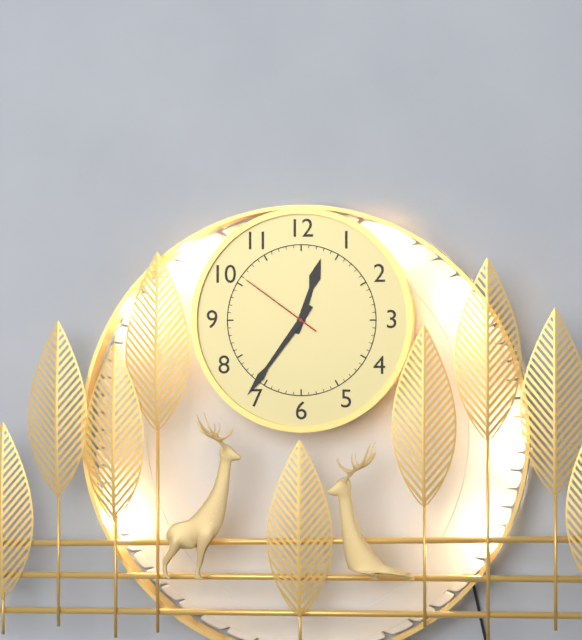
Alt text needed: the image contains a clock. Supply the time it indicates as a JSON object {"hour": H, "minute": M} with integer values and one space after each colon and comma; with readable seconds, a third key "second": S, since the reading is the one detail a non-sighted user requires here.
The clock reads {"hour": 12, "minute": 36, "second": 51}
